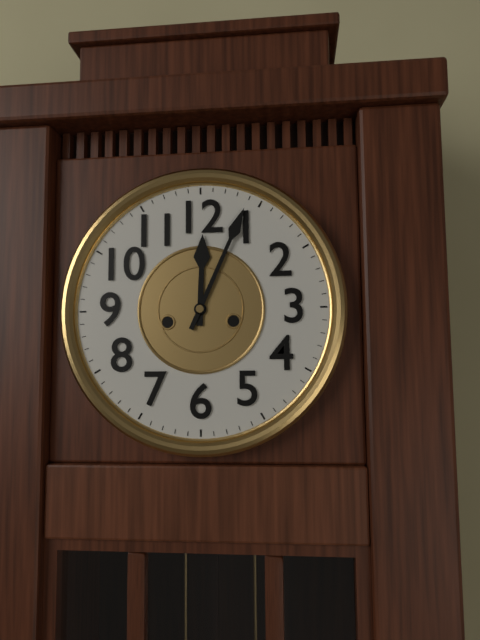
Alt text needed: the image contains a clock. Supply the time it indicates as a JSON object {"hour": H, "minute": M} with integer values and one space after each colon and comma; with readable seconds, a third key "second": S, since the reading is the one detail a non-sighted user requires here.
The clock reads {"hour": 12, "minute": 4}
